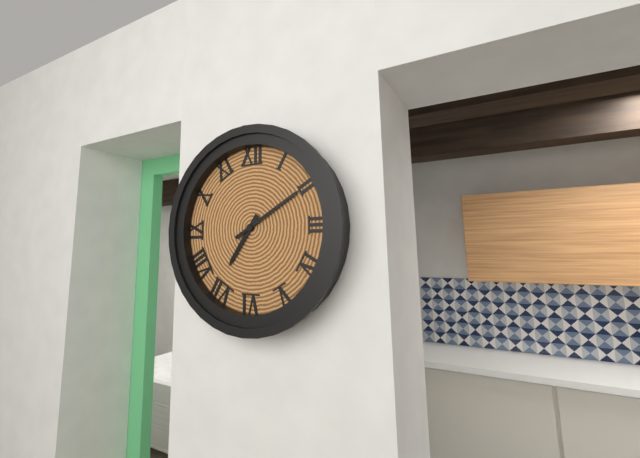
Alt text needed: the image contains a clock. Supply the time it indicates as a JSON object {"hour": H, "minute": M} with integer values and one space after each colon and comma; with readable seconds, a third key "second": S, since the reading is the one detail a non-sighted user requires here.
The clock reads {"hour": 7, "minute": 10}
